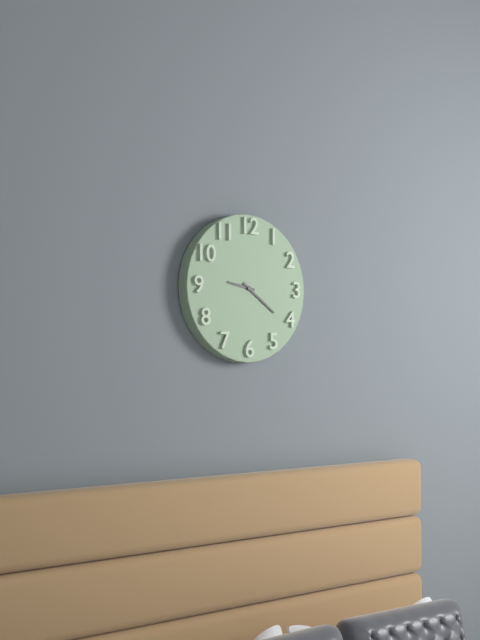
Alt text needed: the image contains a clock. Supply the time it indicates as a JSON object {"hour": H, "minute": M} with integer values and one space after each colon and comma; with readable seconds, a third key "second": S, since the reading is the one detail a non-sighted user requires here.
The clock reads {"hour": 9, "minute": 21}
